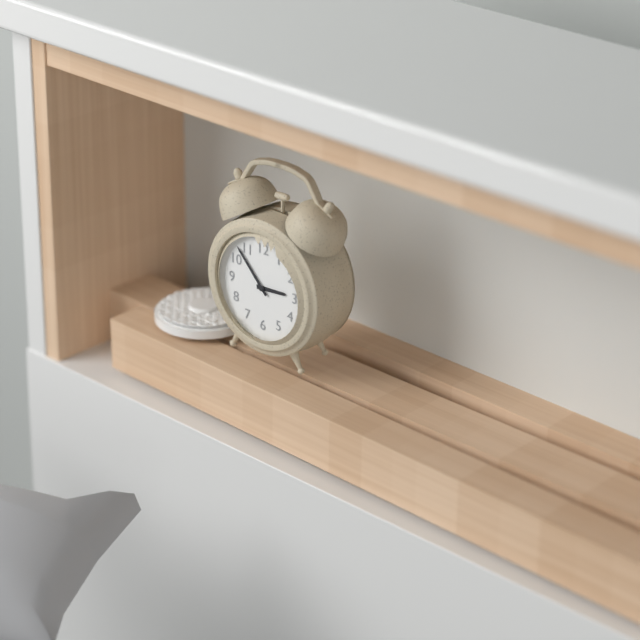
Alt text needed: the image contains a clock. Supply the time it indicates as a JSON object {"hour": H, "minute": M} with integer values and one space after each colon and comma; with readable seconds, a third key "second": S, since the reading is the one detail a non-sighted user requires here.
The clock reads {"hour": 2, "minute": 53}
